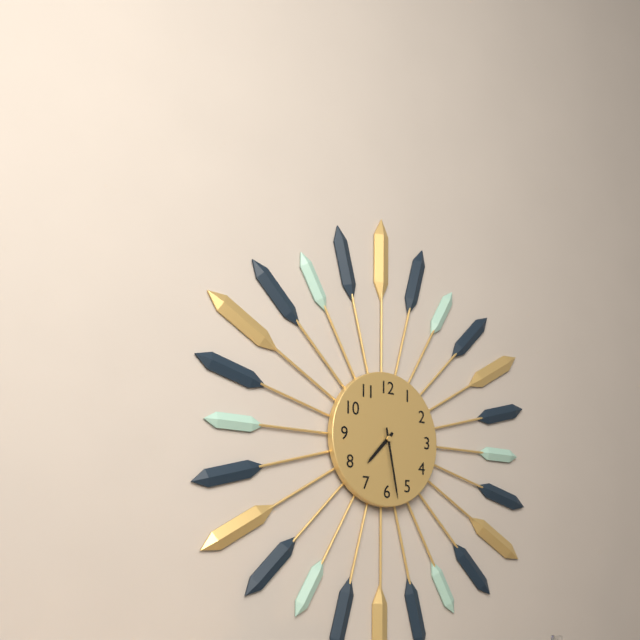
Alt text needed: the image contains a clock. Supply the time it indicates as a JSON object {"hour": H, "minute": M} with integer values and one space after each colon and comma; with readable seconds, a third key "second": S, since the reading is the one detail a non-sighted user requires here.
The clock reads {"hour": 7, "minute": 28}
